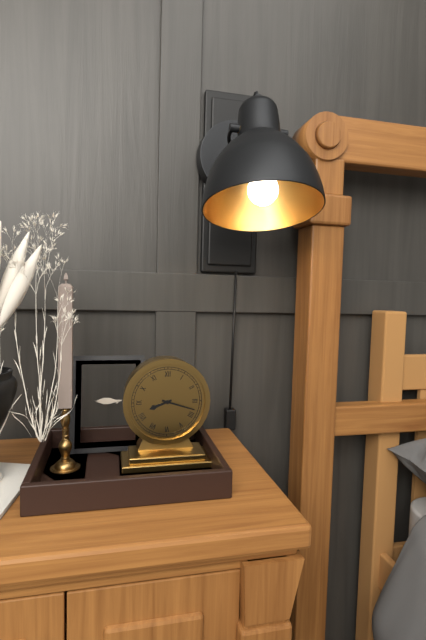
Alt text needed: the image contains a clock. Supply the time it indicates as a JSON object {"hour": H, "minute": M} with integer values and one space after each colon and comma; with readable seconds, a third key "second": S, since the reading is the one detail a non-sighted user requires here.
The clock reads {"hour": 8, "minute": 18}
